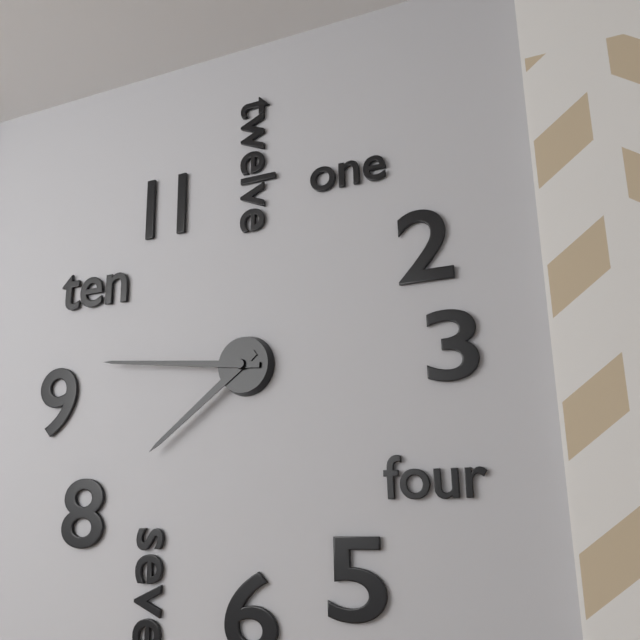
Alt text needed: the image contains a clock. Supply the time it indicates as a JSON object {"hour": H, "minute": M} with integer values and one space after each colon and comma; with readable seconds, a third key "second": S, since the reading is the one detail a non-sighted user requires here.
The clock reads {"hour": 7, "minute": 46}
